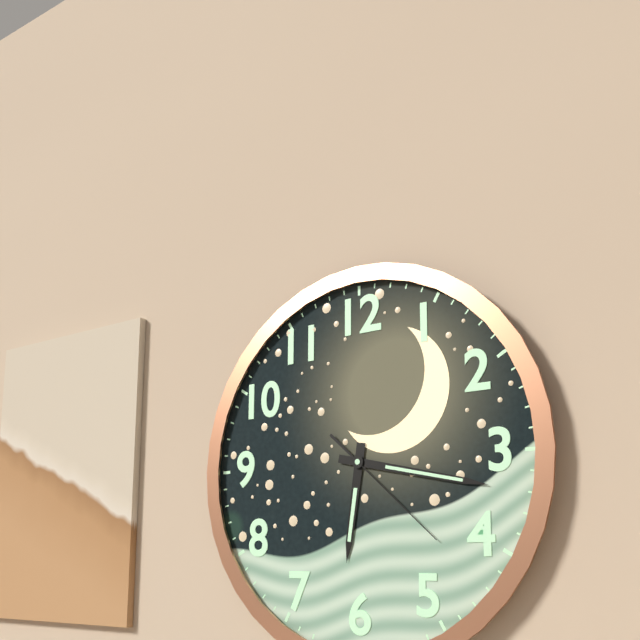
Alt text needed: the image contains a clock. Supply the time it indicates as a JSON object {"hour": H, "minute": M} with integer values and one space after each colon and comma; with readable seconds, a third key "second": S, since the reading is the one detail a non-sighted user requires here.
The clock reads {"hour": 6, "minute": 17, "second": 22}
